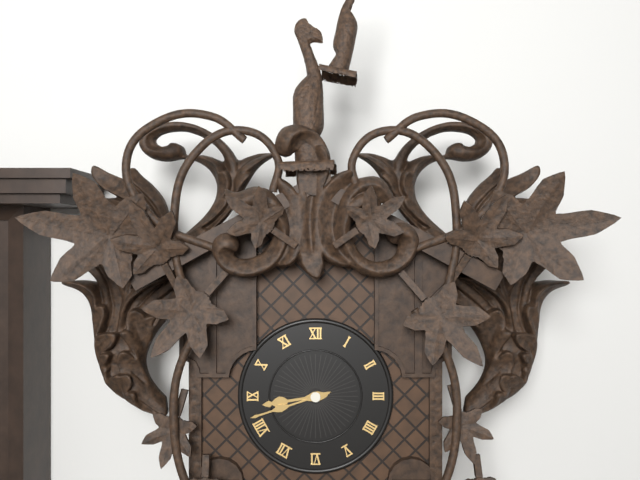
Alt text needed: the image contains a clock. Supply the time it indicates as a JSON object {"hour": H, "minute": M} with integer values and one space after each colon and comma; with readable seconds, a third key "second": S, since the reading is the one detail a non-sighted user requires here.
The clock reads {"hour": 8, "minute": 42}
